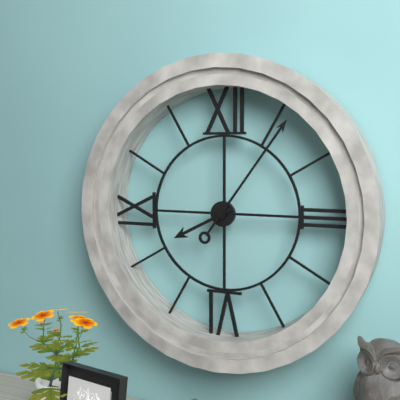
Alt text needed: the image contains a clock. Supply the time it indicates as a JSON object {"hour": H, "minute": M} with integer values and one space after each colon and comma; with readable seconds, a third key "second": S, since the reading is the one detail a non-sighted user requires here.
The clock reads {"hour": 8, "minute": 6}
